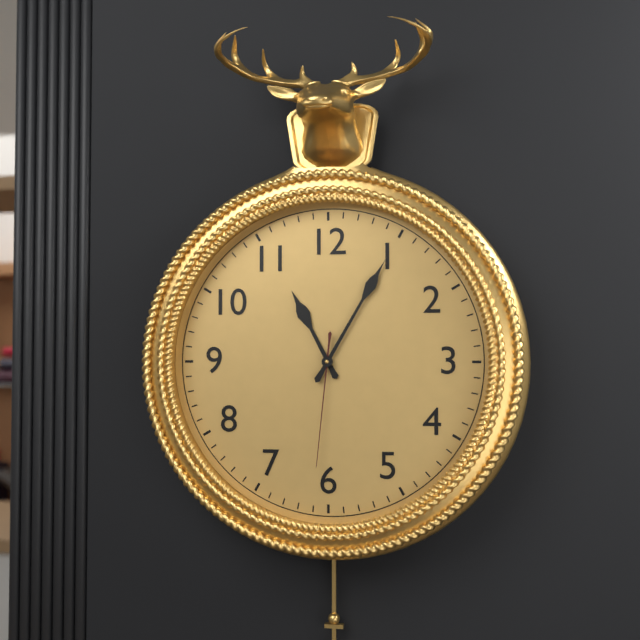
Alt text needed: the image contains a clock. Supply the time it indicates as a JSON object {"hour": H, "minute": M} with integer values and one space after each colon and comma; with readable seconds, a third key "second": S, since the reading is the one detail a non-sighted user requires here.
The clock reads {"hour": 11, "minute": 5, "second": 31}
